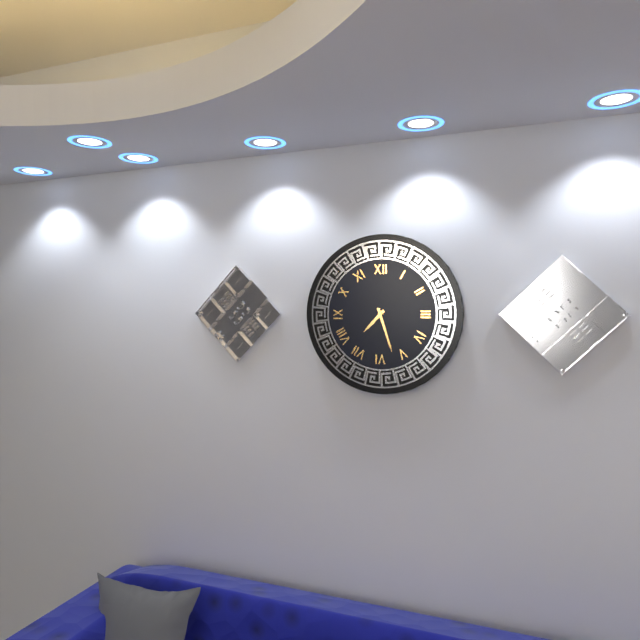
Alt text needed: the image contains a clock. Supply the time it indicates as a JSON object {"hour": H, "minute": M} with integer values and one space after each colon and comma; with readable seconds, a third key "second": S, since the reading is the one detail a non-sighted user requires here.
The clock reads {"hour": 7, "minute": 27}
